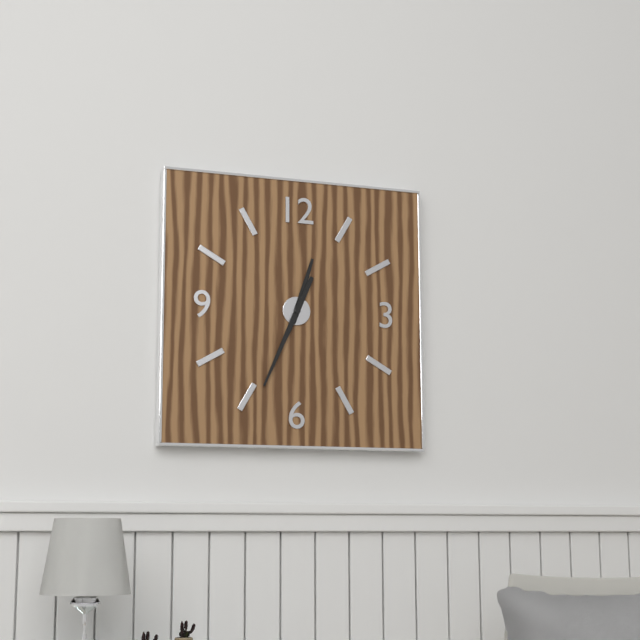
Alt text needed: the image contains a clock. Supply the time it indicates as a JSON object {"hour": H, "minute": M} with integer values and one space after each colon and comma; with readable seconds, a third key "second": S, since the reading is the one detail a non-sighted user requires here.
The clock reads {"hour": 12, "minute": 34}
